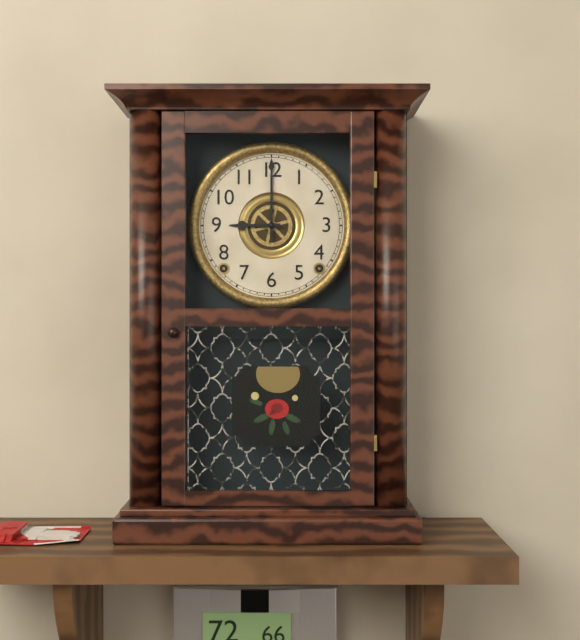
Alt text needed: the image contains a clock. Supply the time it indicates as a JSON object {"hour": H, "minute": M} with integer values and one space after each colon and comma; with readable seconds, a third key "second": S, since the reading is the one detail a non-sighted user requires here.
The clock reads {"hour": 9, "minute": 0}
